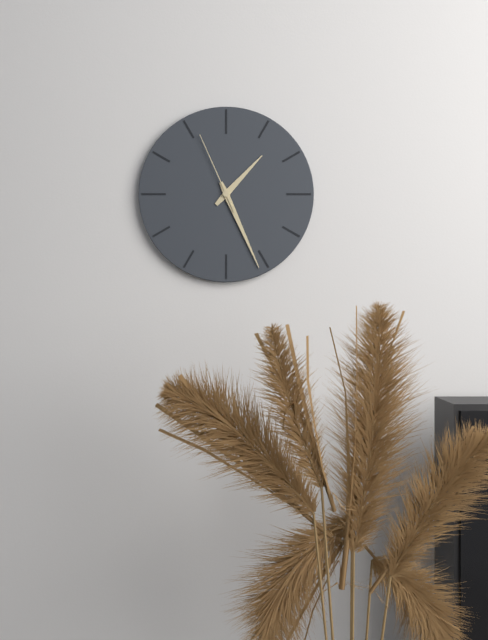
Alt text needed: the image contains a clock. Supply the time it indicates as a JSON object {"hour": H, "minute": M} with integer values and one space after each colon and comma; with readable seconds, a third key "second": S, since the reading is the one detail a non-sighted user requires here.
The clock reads {"hour": 1, "minute": 26, "second": 56}
